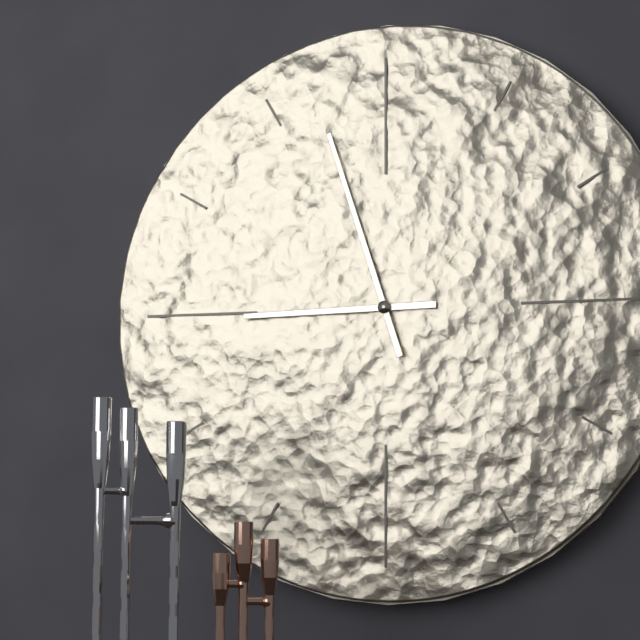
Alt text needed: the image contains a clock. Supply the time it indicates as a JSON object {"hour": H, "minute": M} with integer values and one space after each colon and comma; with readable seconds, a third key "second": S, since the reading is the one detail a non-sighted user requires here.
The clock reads {"hour": 8, "minute": 57}
